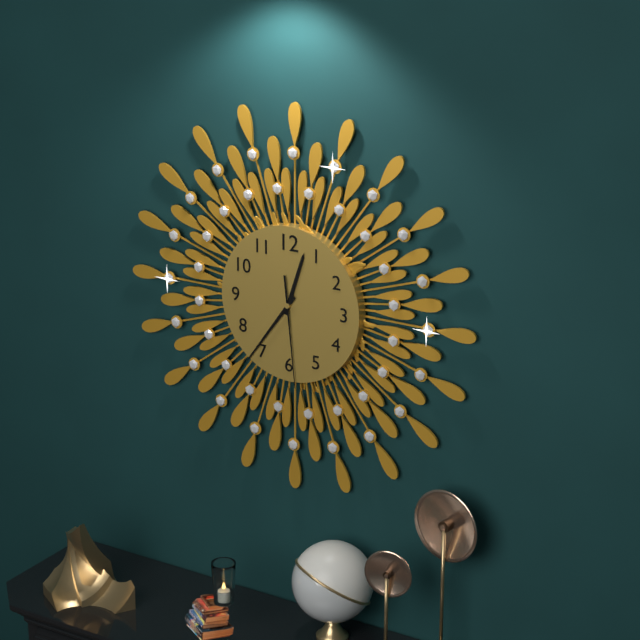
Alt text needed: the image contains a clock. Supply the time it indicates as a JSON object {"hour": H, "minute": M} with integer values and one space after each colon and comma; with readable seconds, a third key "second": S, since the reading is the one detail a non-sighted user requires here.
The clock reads {"hour": 12, "minute": 36, "second": 29}
